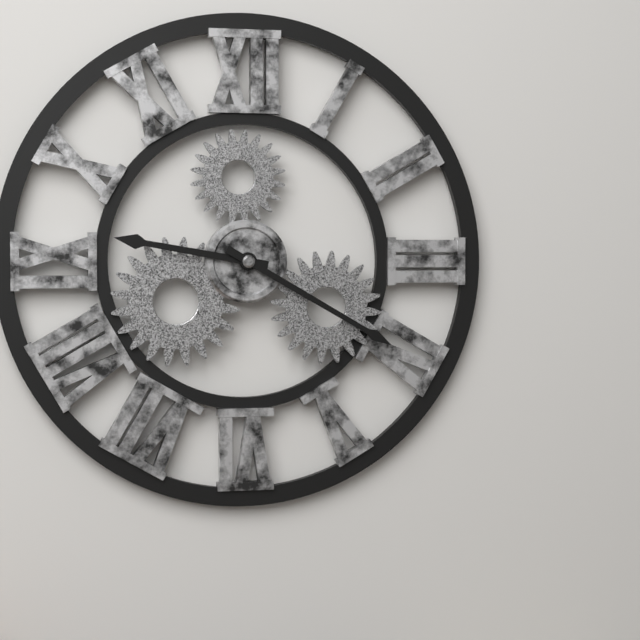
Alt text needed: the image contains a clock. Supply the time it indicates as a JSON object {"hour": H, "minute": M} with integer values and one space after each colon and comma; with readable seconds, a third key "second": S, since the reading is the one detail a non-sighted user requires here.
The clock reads {"hour": 9, "minute": 20}
